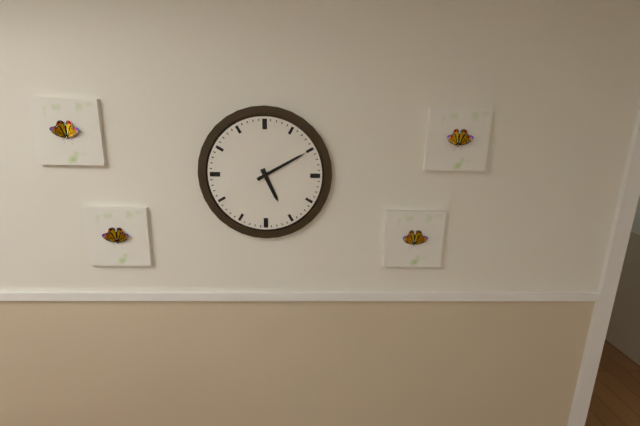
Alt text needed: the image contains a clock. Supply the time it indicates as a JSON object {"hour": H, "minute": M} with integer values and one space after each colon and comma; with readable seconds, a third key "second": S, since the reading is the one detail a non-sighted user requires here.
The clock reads {"hour": 5, "minute": 10}
